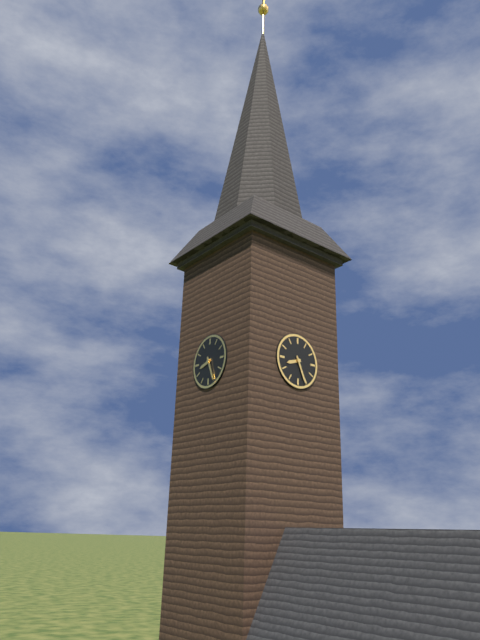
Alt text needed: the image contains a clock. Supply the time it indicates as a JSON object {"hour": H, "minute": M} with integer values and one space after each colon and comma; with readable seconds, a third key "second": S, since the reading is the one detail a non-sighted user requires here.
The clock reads {"hour": 8, "minute": 26}
